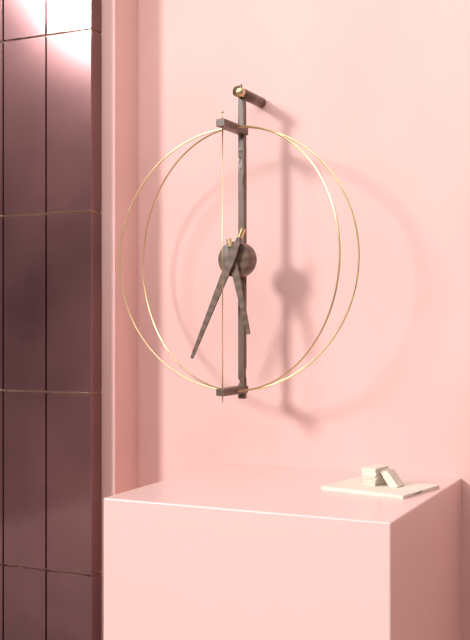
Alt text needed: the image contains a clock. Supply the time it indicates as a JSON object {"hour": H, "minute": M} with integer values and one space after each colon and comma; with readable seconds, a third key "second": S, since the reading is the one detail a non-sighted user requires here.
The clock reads {"hour": 5, "minute": 34}
